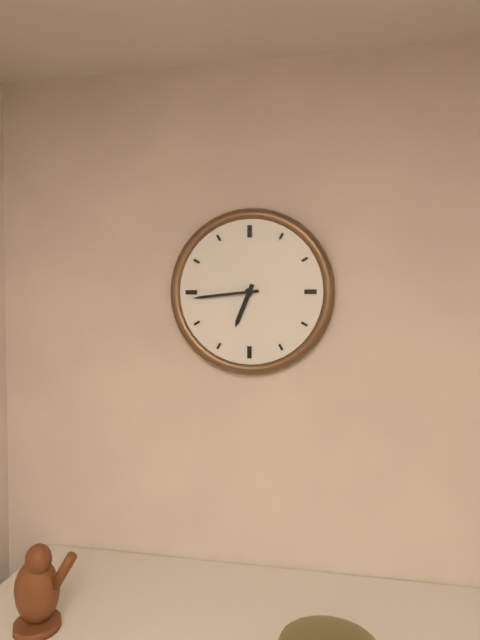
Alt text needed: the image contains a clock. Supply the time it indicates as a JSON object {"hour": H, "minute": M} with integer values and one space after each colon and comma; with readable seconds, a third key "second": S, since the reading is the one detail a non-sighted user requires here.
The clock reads {"hour": 6, "minute": 44}
